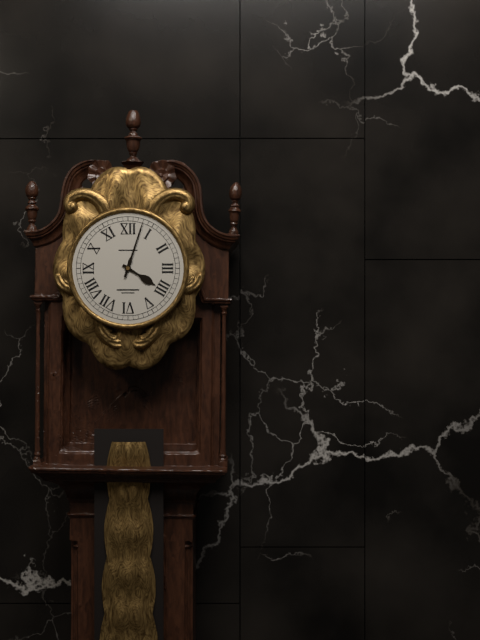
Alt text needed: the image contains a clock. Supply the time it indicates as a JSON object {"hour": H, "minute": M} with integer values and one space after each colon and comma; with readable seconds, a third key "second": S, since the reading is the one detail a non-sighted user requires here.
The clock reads {"hour": 4, "minute": 3}
